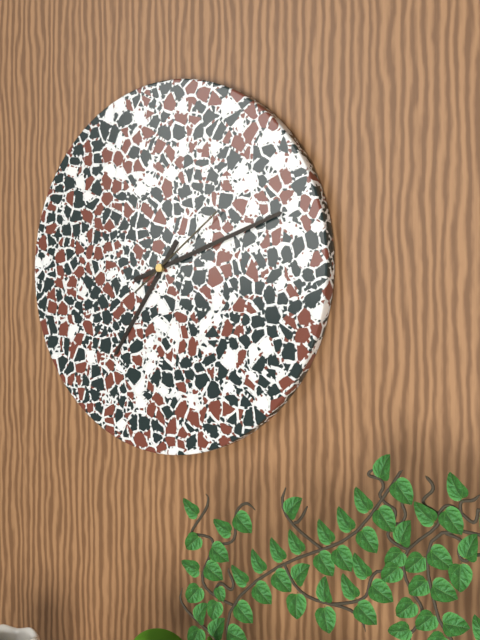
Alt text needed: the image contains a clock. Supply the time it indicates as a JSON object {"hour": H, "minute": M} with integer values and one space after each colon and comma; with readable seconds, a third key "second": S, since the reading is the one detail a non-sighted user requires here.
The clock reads {"hour": 7, "minute": 12, "second": 9}
